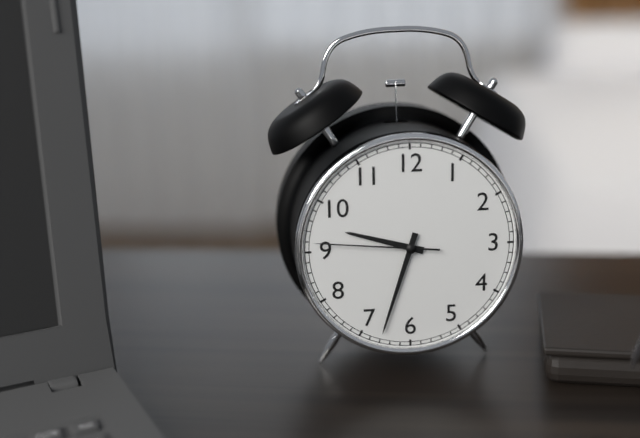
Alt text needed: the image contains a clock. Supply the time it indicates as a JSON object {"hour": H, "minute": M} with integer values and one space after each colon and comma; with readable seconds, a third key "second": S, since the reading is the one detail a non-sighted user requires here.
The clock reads {"hour": 9, "minute": 33, "second": 46}
